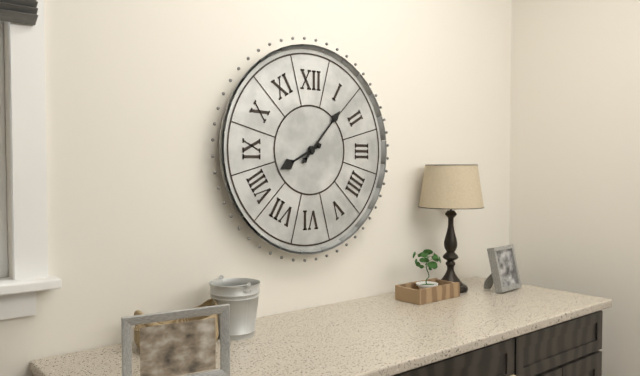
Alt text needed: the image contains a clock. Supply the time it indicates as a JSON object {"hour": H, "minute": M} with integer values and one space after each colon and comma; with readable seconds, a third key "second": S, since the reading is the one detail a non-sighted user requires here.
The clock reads {"hour": 8, "minute": 7}
